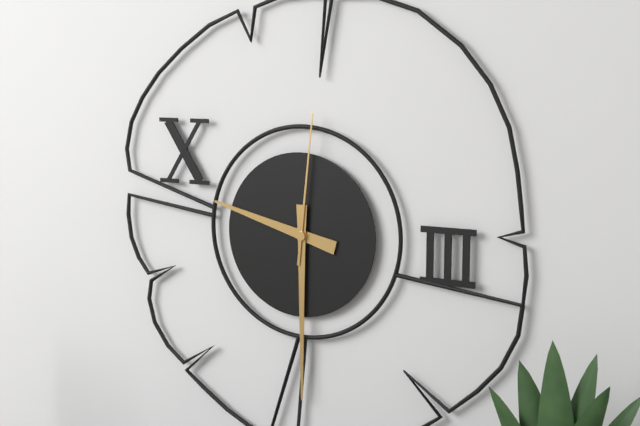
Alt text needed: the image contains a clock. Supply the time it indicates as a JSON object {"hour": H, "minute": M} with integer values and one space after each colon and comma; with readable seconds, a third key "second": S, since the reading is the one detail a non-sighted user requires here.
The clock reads {"hour": 9, "minute": 30, "second": 1}
